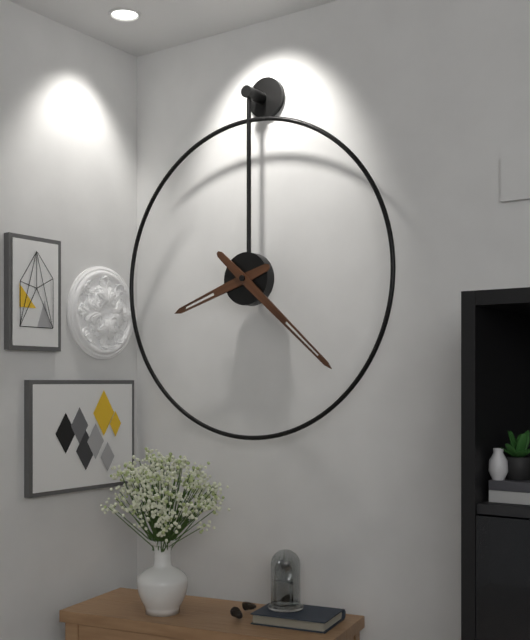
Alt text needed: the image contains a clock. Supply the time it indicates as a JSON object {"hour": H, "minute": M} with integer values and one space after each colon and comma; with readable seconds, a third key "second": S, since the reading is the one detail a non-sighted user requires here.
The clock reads {"hour": 8, "minute": 22}
